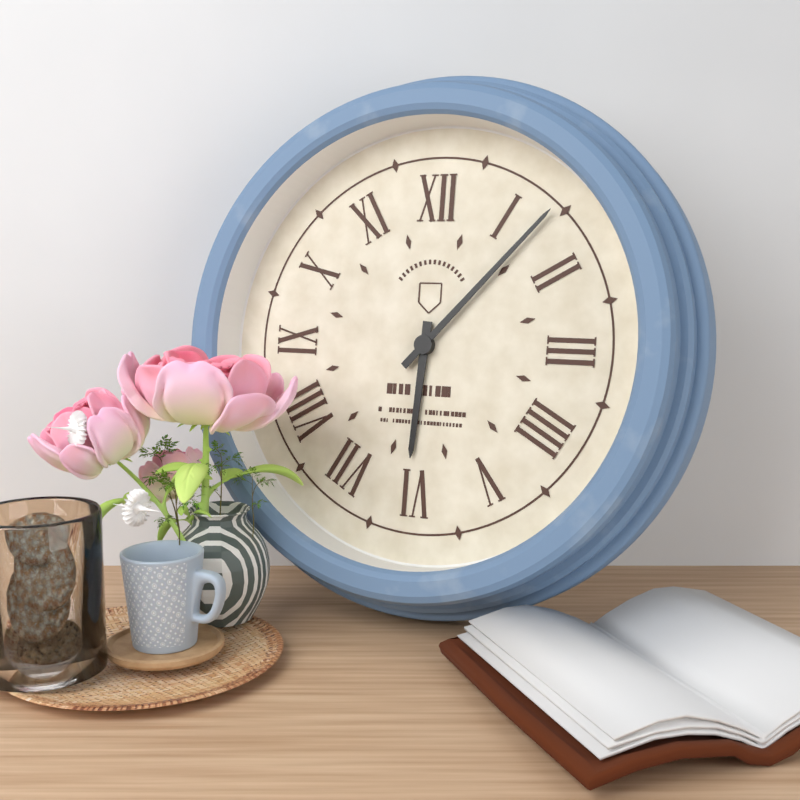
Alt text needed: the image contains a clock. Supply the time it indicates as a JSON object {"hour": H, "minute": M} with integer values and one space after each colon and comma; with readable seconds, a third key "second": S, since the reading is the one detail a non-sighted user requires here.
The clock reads {"hour": 6, "minute": 7}
